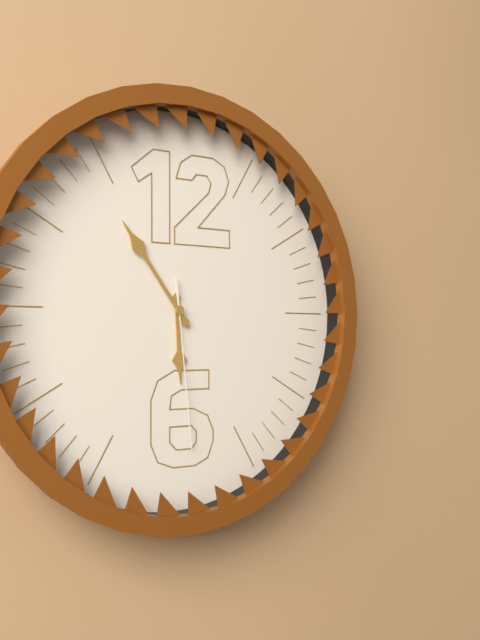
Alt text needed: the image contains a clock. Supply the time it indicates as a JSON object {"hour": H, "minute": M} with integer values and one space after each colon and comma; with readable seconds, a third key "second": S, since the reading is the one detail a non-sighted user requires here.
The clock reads {"hour": 5, "minute": 54, "second": 29}
